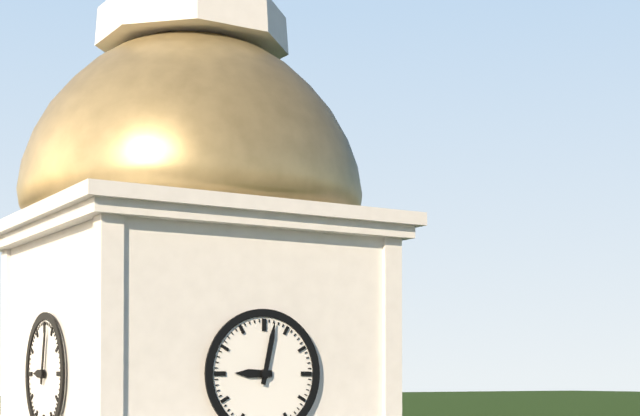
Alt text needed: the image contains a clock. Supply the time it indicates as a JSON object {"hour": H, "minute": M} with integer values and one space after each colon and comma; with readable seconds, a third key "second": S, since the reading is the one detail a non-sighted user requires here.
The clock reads {"hour": 9, "minute": 2}
